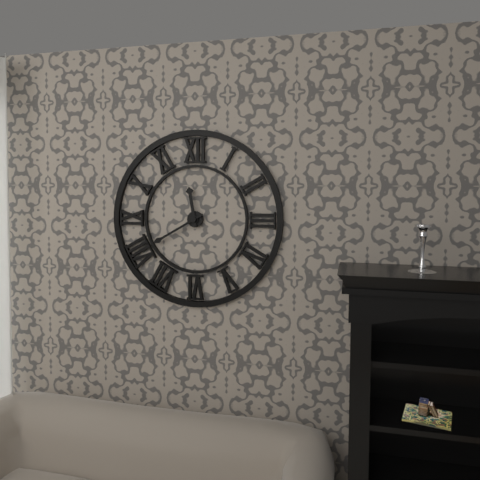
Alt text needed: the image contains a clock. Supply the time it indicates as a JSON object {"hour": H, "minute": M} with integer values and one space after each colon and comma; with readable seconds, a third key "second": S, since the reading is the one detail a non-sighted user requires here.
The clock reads {"hour": 11, "minute": 40}
